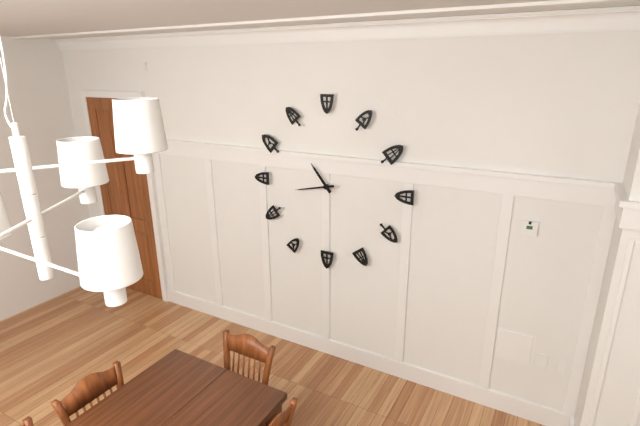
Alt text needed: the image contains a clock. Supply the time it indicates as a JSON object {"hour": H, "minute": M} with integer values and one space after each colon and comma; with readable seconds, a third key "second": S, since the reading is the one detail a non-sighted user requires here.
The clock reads {"hour": 10, "minute": 43}
